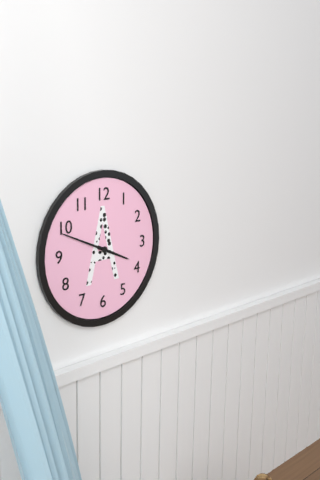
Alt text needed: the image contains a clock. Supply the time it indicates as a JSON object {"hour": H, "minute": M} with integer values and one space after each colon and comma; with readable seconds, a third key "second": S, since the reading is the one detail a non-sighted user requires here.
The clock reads {"hour": 3, "minute": 49}
